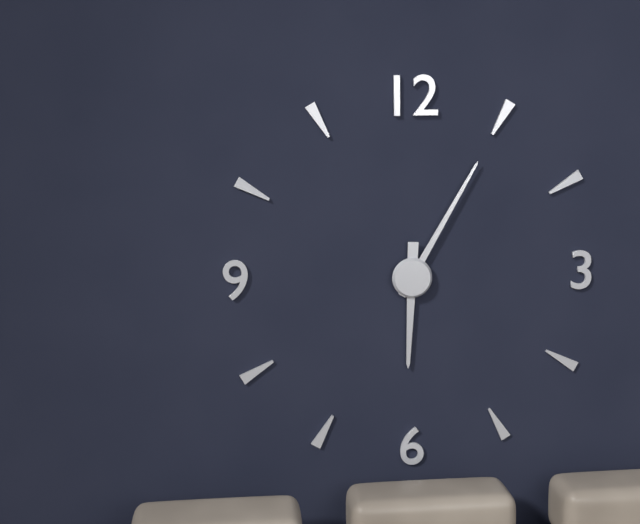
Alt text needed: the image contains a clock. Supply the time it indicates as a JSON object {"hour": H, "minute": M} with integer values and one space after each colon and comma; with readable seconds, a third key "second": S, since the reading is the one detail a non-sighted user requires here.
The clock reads {"hour": 6, "minute": 5}
